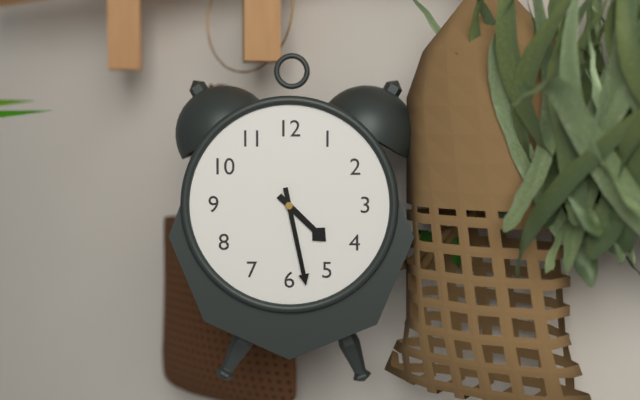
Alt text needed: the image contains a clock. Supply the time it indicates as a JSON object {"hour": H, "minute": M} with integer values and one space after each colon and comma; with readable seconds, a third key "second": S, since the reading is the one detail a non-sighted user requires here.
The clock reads {"hour": 4, "minute": 28}
